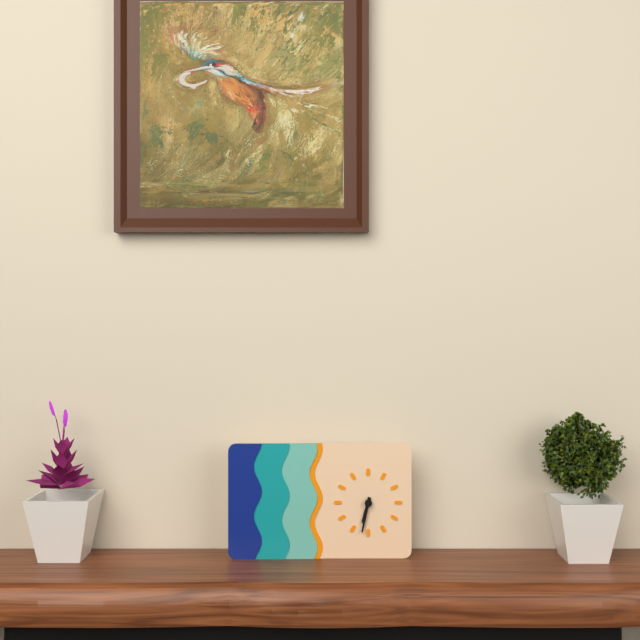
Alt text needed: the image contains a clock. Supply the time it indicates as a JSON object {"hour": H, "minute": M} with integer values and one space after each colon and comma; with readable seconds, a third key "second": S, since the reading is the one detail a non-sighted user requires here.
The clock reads {"hour": 6, "minute": 32}
